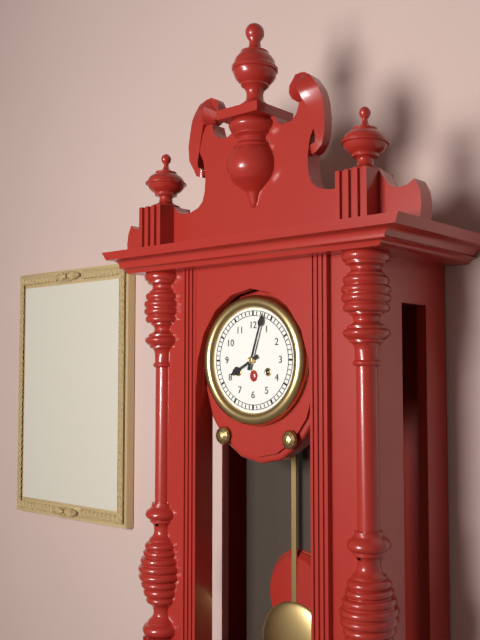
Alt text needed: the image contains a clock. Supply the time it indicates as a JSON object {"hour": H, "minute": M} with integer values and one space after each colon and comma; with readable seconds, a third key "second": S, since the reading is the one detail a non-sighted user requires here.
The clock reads {"hour": 8, "minute": 3}
